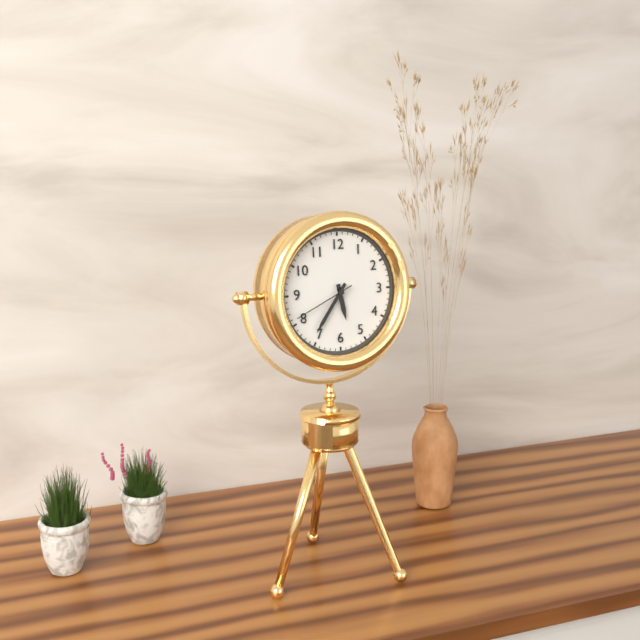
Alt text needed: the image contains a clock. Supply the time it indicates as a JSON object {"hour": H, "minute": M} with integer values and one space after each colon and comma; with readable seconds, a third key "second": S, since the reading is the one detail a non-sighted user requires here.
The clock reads {"hour": 5, "minute": 36, "second": 41}
